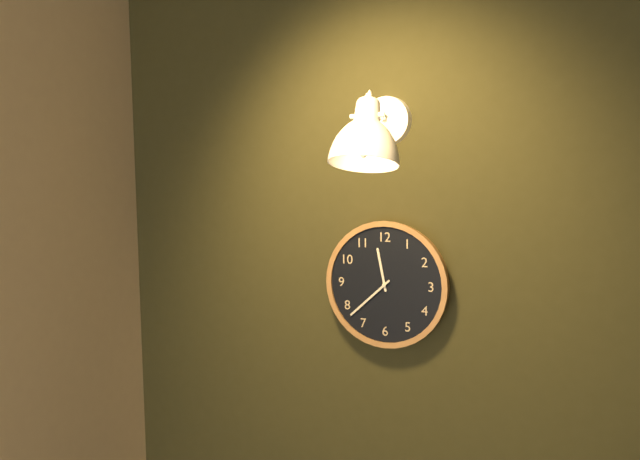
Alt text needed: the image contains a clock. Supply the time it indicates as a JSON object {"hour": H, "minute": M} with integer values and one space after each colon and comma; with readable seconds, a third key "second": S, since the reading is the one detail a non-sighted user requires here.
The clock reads {"hour": 11, "minute": 38}
